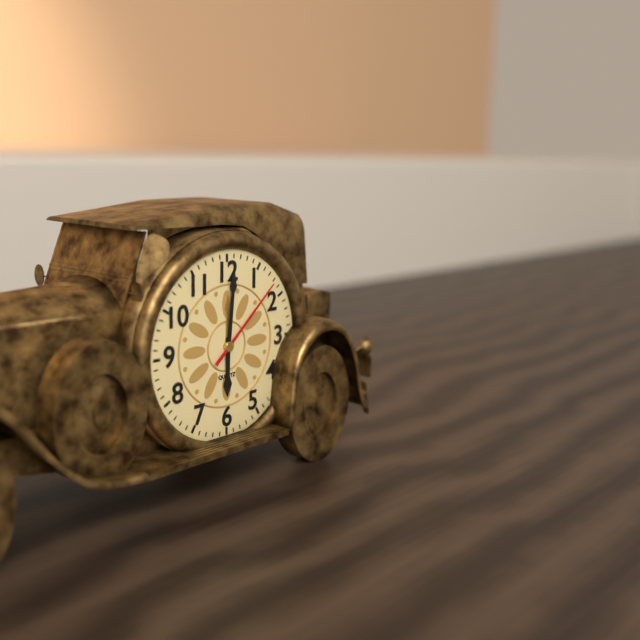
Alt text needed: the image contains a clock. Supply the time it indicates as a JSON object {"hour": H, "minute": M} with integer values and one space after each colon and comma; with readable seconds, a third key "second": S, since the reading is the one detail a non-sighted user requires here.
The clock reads {"hour": 6, "minute": 1, "second": 8}
